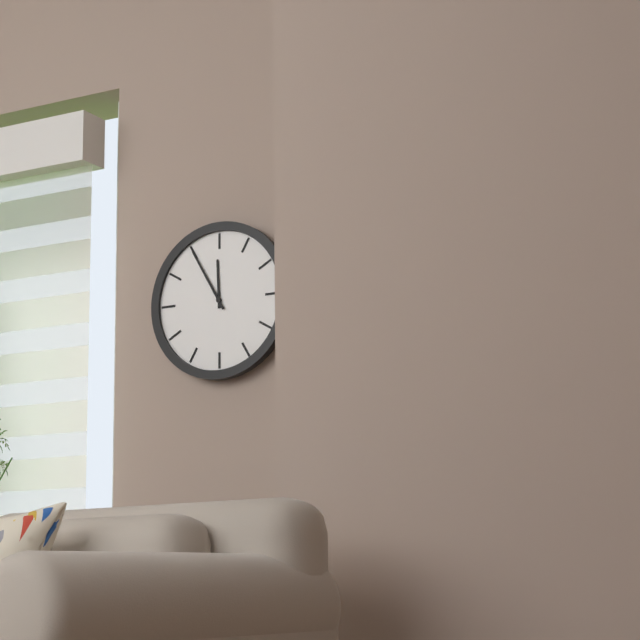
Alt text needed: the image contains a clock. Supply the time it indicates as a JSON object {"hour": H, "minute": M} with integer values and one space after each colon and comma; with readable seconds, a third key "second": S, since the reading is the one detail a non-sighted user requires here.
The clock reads {"hour": 11, "minute": 55}
